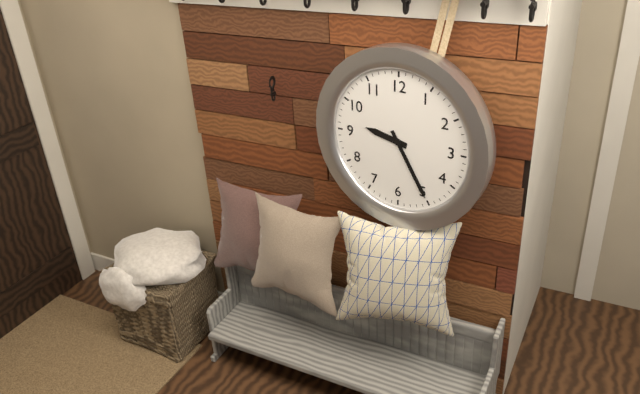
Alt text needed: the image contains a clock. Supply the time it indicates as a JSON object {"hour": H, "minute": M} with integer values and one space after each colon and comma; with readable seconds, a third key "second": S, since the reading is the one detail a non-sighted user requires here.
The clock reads {"hour": 9, "minute": 25}
